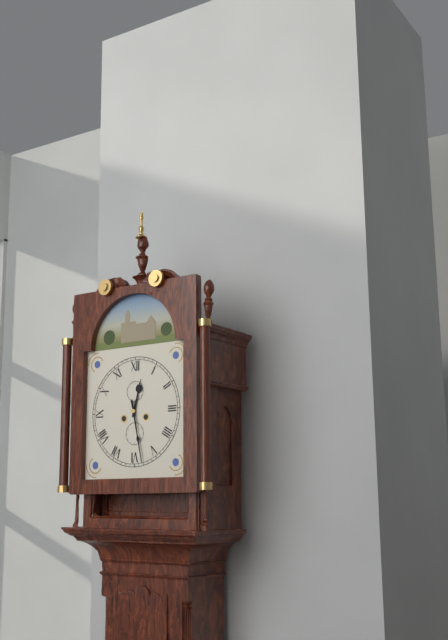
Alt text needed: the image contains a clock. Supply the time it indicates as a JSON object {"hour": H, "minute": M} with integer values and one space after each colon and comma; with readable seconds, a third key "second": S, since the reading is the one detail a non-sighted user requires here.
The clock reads {"hour": 12, "minute": 28}
